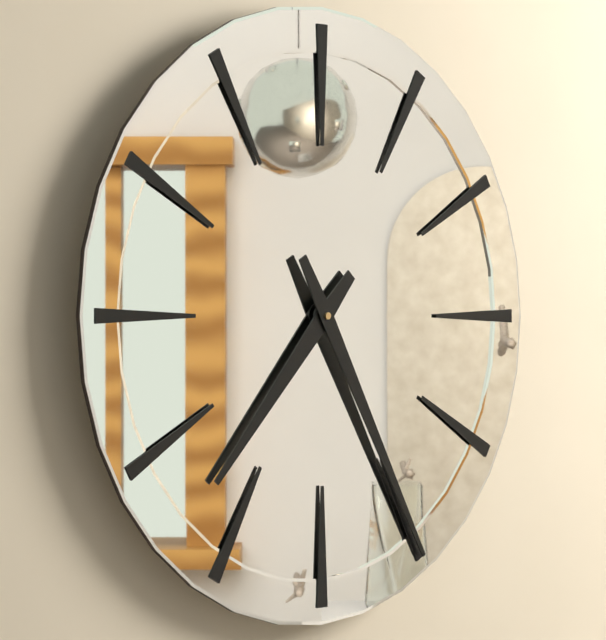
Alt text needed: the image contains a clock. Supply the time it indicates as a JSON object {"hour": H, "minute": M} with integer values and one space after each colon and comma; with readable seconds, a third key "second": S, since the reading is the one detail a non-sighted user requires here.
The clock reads {"hour": 7, "minute": 25}
